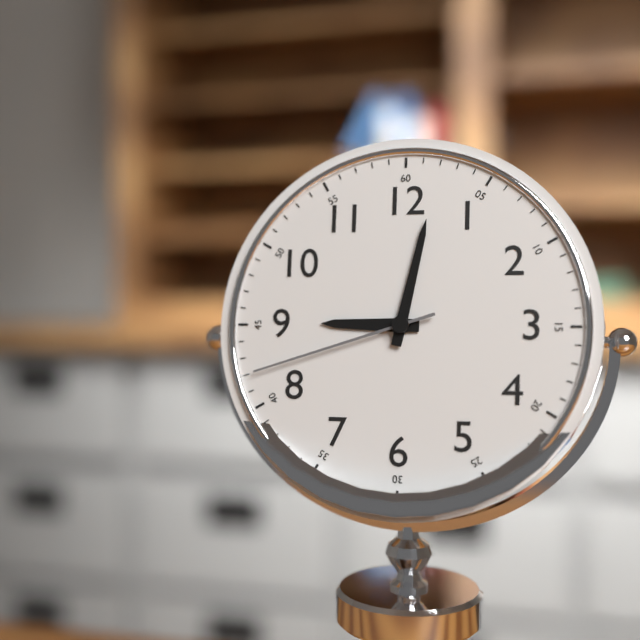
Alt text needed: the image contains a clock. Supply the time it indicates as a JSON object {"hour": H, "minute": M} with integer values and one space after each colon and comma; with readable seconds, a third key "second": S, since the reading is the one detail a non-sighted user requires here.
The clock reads {"hour": 9, "minute": 2, "second": 42}
